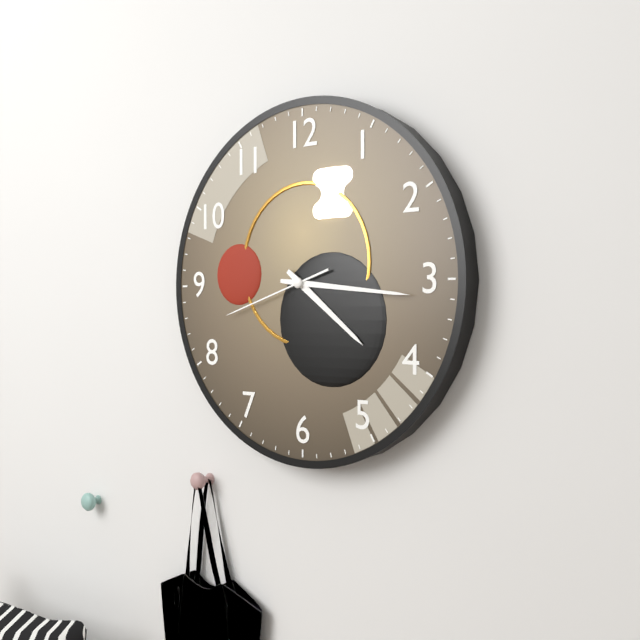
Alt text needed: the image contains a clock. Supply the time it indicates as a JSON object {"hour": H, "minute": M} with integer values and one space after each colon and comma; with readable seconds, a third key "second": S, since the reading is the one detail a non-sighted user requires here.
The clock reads {"hour": 4, "minute": 16, "second": 42}
